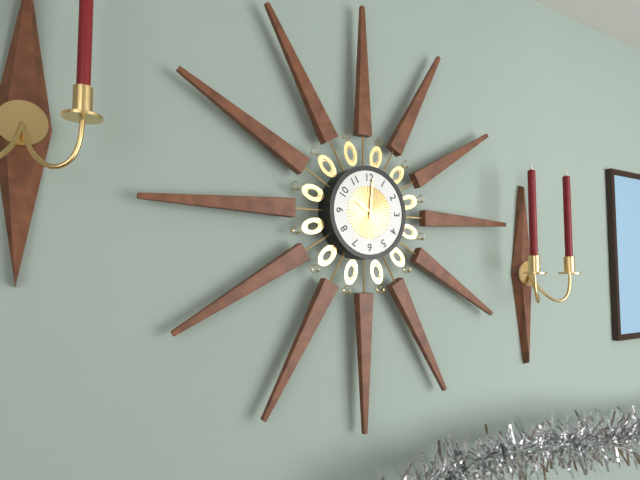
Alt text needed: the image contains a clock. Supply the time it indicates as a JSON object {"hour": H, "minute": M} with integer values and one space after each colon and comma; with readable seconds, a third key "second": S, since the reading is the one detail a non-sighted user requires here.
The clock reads {"hour": 10, "minute": 1}
